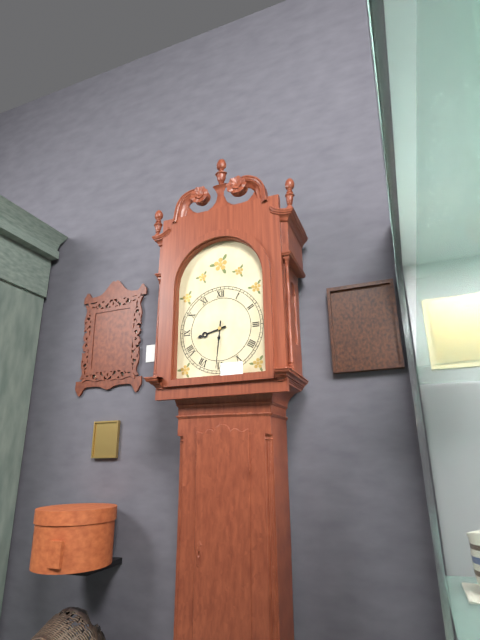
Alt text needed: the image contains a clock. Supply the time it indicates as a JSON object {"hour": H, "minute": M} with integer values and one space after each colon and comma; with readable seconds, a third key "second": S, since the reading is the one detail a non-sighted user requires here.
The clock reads {"hour": 8, "minute": 31}
